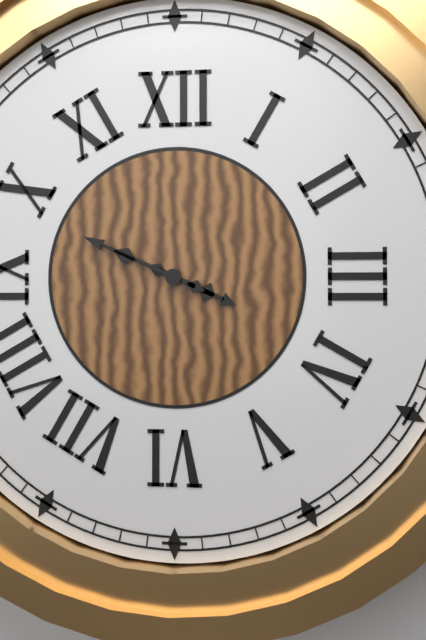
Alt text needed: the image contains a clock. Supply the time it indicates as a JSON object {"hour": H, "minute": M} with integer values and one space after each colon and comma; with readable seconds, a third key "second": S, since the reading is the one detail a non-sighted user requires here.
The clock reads {"hour": 3, "minute": 49}
